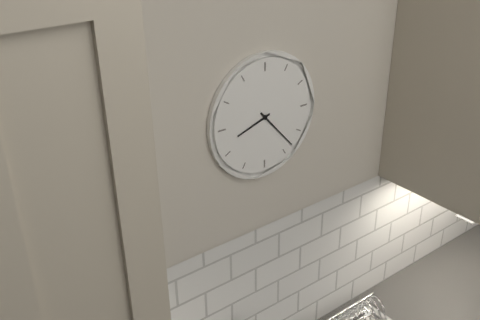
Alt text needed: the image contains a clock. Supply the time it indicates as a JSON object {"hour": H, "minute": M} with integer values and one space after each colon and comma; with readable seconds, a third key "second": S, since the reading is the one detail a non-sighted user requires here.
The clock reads {"hour": 8, "minute": 23}
